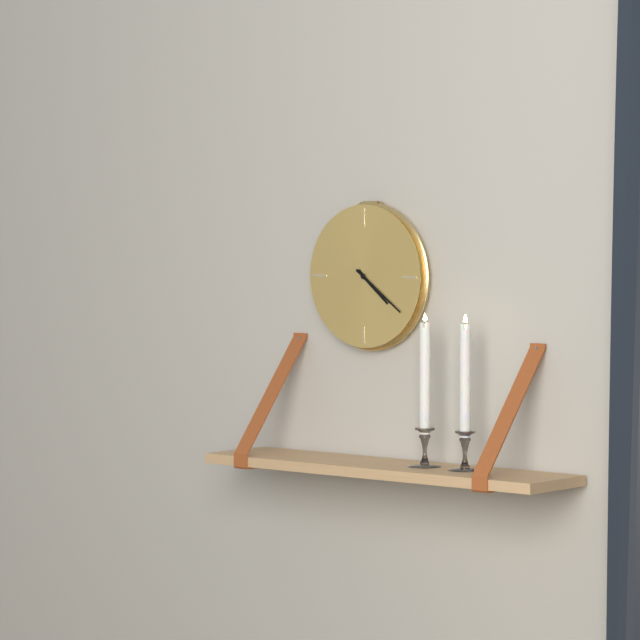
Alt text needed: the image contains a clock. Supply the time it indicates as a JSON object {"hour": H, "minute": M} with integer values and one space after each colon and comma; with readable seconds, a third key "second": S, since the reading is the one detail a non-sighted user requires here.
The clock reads {"hour": 4, "minute": 21}
